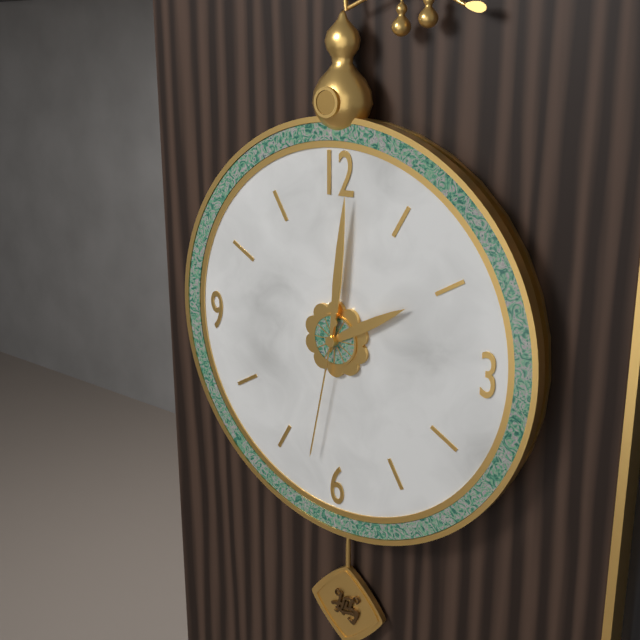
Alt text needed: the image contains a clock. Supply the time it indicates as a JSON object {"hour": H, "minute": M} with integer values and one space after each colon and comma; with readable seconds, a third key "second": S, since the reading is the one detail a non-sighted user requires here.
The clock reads {"hour": 2, "minute": 1, "second": 32}
